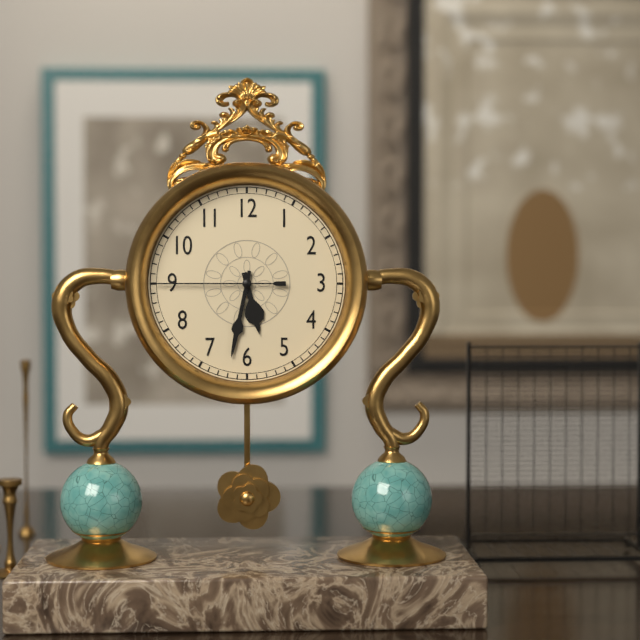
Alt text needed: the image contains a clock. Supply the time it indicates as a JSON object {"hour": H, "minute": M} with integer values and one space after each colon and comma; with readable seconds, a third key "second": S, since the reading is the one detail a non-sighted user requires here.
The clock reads {"hour": 5, "minute": 32, "second": 45}
